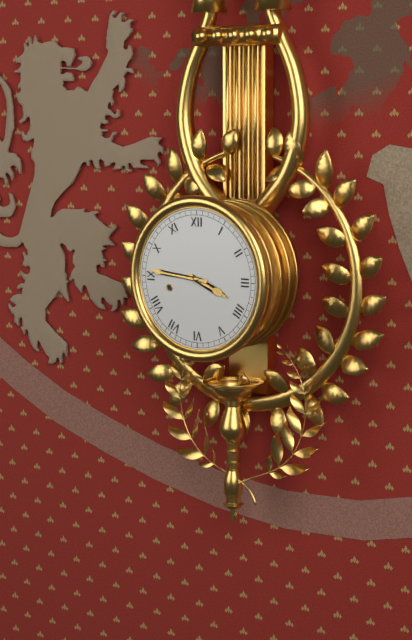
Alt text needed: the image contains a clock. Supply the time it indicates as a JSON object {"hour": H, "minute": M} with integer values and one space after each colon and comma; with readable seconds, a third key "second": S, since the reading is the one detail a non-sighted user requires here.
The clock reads {"hour": 3, "minute": 46}
